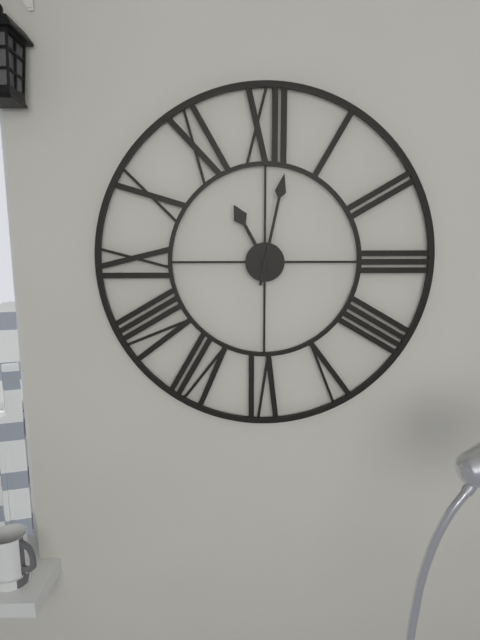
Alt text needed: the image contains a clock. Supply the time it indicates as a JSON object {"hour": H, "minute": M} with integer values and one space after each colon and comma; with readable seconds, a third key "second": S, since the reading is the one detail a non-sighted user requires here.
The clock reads {"hour": 11, "minute": 2}
